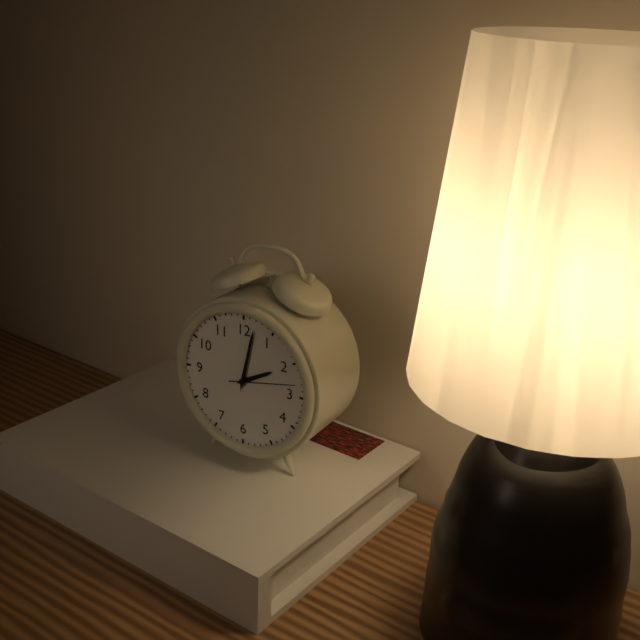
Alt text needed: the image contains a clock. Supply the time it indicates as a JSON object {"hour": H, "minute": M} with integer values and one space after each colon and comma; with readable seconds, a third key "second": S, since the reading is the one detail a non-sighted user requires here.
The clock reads {"hour": 2, "minute": 2, "second": 13}
